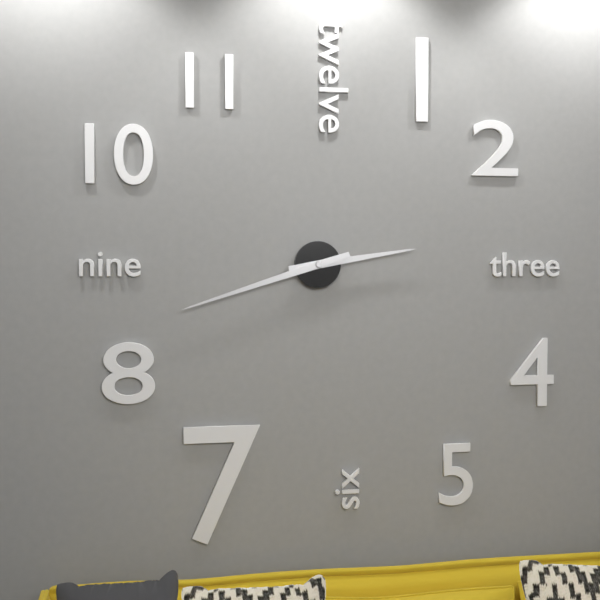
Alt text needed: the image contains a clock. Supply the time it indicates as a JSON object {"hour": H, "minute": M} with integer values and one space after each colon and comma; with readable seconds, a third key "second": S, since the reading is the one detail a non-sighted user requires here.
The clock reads {"hour": 2, "minute": 42}
